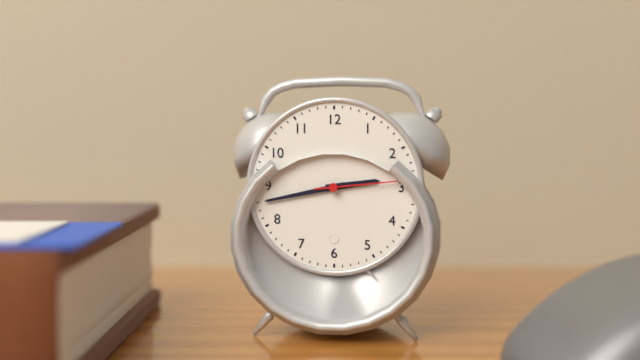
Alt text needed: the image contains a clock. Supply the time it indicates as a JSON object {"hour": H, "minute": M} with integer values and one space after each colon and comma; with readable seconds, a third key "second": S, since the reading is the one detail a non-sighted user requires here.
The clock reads {"hour": 2, "minute": 43, "second": 14}
